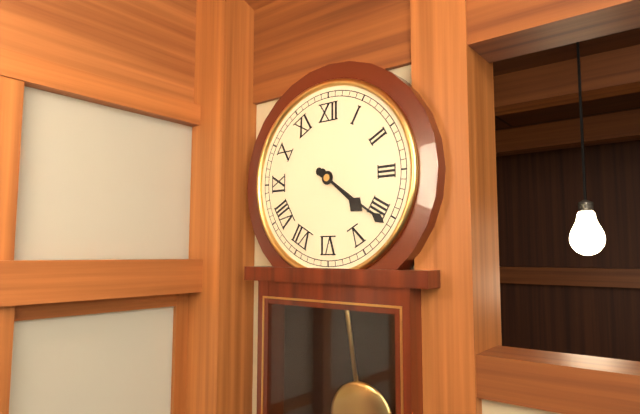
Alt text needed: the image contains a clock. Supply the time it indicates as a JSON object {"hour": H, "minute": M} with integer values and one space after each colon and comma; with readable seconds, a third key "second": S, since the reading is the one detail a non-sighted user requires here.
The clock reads {"hour": 4, "minute": 21}
